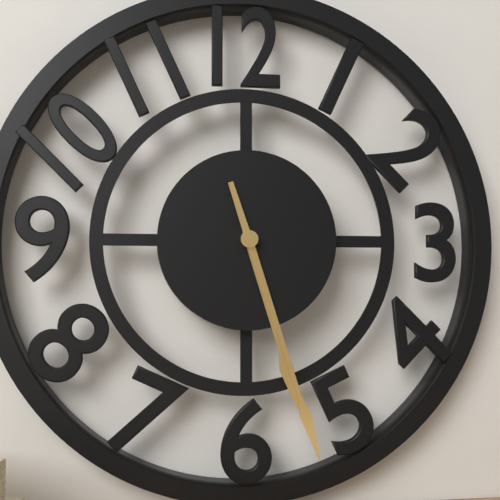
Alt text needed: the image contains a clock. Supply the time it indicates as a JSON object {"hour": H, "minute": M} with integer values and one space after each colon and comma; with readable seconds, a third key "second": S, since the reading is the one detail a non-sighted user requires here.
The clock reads {"hour": 5, "minute": 27}
